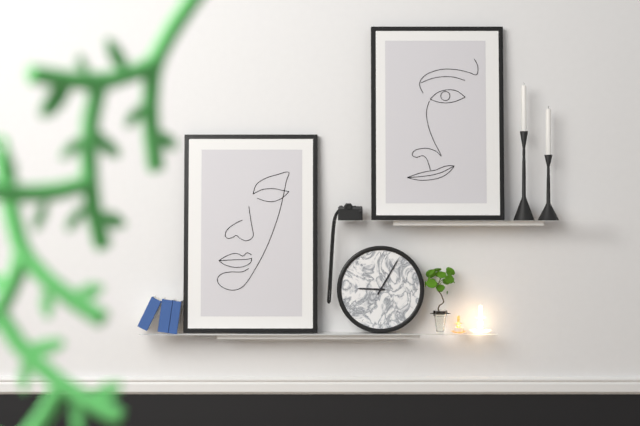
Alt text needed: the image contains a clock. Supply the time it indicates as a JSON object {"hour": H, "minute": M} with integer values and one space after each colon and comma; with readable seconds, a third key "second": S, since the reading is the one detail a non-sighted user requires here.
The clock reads {"hour": 9, "minute": 5}
